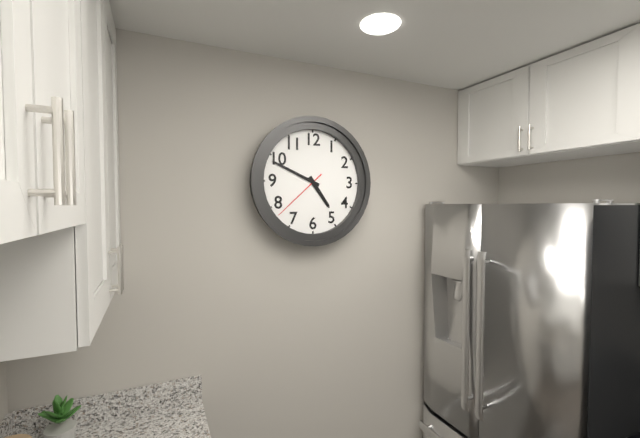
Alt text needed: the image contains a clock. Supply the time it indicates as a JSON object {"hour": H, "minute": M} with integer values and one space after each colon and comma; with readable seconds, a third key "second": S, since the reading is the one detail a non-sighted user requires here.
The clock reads {"hour": 4, "minute": 49, "second": 38}
